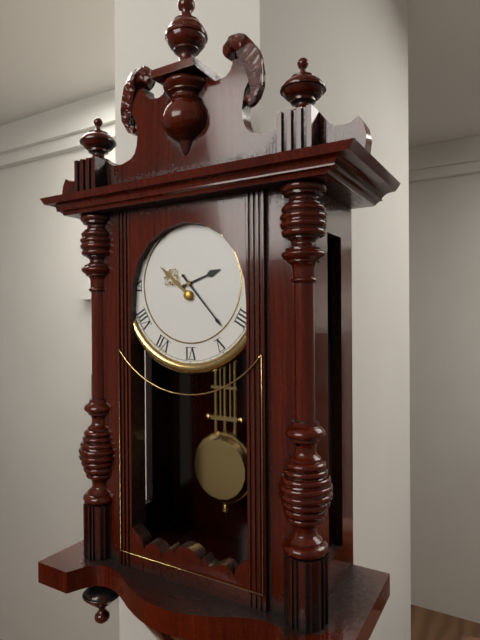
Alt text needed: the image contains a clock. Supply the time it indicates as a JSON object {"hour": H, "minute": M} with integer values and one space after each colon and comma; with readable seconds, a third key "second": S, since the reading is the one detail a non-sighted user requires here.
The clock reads {"hour": 2, "minute": 23}
